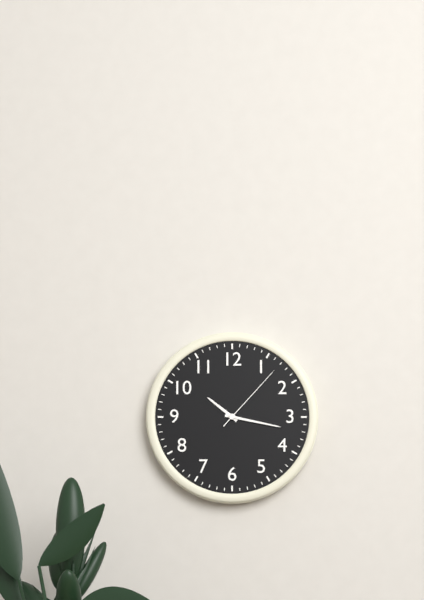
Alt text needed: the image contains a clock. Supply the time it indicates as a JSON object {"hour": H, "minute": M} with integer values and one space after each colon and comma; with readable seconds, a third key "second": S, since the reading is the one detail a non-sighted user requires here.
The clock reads {"hour": 10, "minute": 17, "second": 7}
